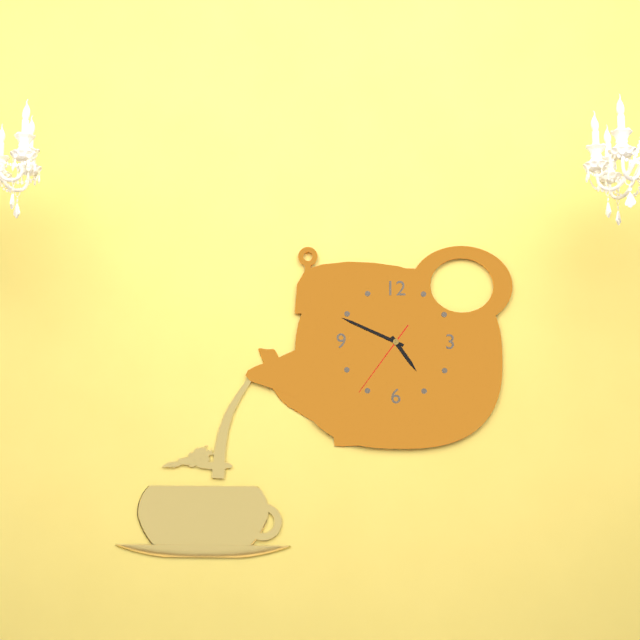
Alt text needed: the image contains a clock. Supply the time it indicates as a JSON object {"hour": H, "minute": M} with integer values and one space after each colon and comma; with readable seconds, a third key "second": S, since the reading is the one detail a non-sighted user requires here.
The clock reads {"hour": 4, "minute": 49, "second": 36}
